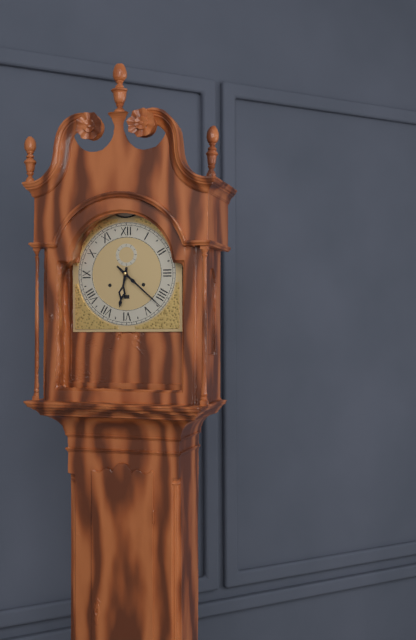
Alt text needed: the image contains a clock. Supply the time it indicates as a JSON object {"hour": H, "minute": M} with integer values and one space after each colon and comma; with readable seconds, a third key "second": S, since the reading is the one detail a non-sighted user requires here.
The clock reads {"hour": 6, "minute": 22}
